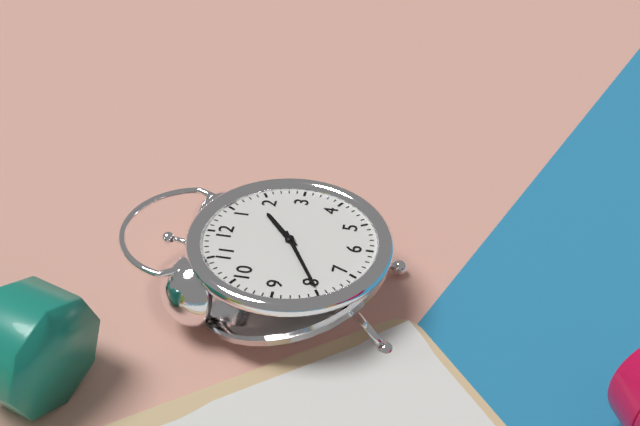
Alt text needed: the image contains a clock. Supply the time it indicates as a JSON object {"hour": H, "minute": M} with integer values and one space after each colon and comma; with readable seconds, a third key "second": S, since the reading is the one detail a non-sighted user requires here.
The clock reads {"hour": 1, "minute": 40}
